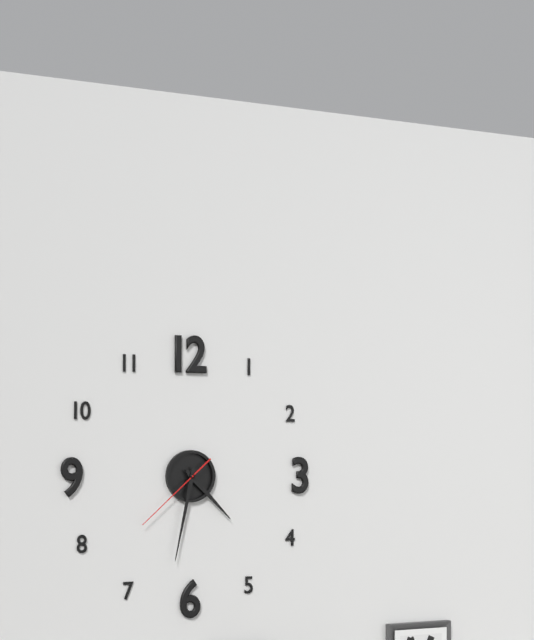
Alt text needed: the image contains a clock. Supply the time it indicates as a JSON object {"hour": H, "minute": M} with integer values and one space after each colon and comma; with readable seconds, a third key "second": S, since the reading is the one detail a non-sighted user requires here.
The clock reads {"hour": 4, "minute": 32, "second": 38}
